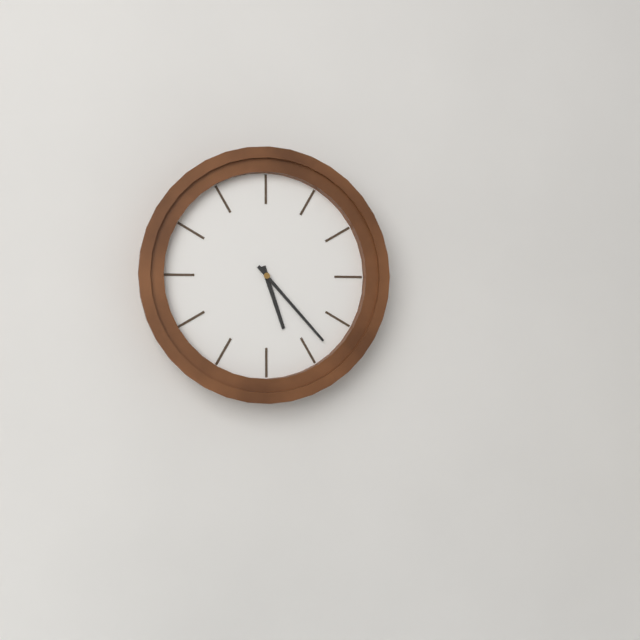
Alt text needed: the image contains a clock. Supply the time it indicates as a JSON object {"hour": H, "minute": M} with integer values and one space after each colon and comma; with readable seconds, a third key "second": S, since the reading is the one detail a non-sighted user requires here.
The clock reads {"hour": 5, "minute": 23}
